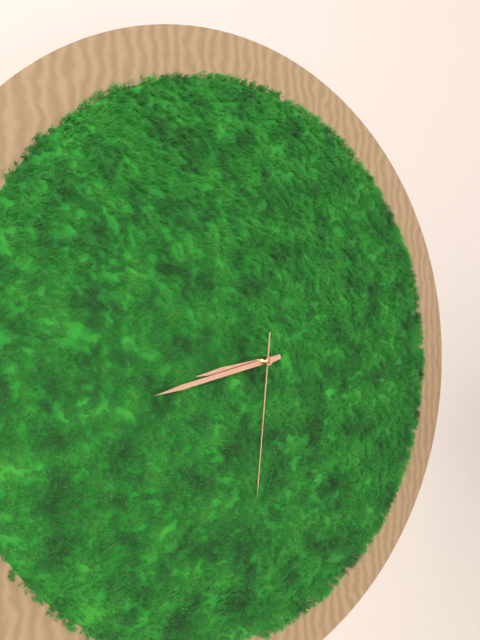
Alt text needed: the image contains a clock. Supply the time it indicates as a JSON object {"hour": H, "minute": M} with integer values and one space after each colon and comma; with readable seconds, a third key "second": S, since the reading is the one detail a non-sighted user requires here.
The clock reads {"hour": 8, "minute": 43, "second": 31}
